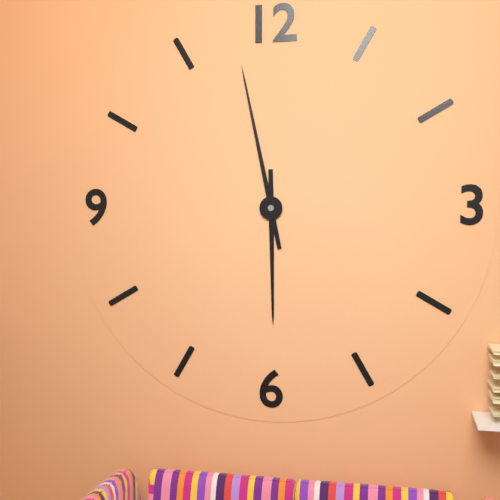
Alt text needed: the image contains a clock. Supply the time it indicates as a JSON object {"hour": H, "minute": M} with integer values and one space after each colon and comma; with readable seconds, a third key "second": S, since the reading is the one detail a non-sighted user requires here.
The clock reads {"hour": 5, "minute": 58}
